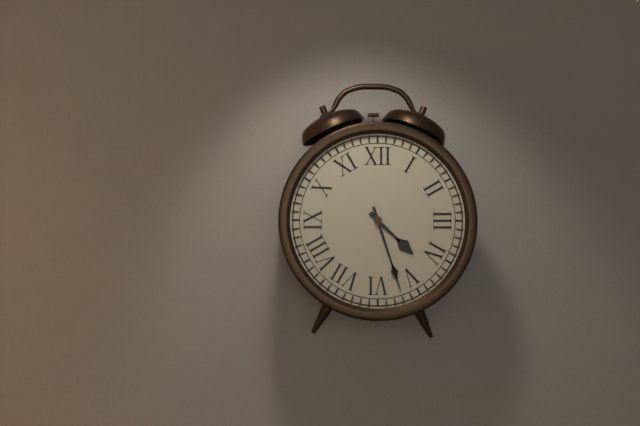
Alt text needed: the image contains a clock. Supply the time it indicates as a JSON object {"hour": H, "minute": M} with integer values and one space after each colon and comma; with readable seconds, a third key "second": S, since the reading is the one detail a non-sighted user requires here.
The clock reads {"hour": 4, "minute": 27}
